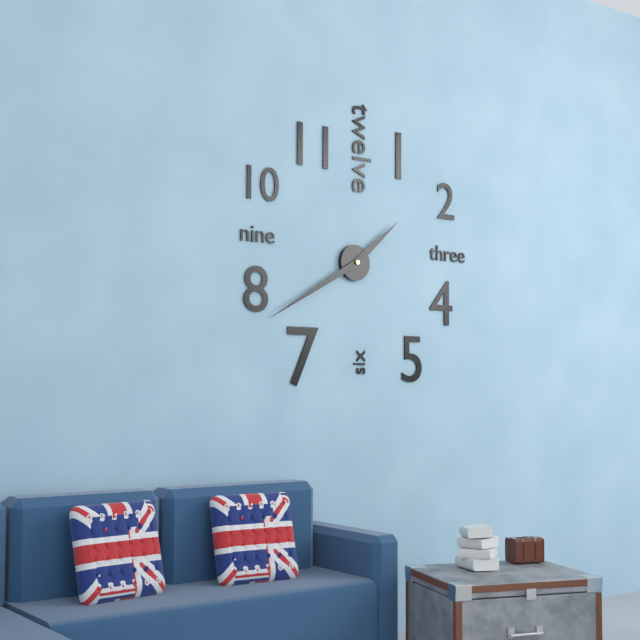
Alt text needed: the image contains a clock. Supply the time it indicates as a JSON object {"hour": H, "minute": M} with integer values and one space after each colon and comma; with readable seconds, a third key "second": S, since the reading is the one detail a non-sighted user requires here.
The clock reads {"hour": 1, "minute": 40}
